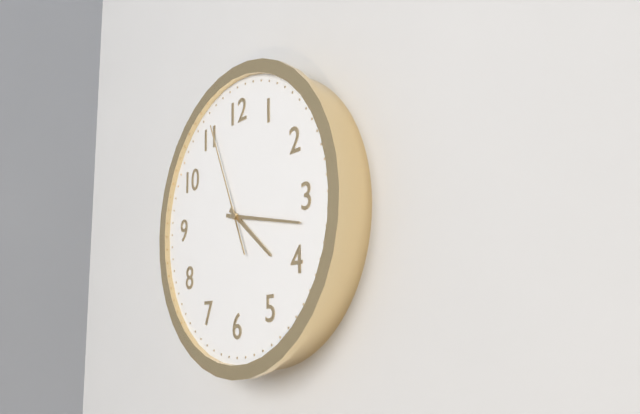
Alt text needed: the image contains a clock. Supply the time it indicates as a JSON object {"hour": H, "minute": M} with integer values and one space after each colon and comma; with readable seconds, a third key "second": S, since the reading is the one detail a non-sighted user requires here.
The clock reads {"hour": 4, "minute": 17, "second": 56}
